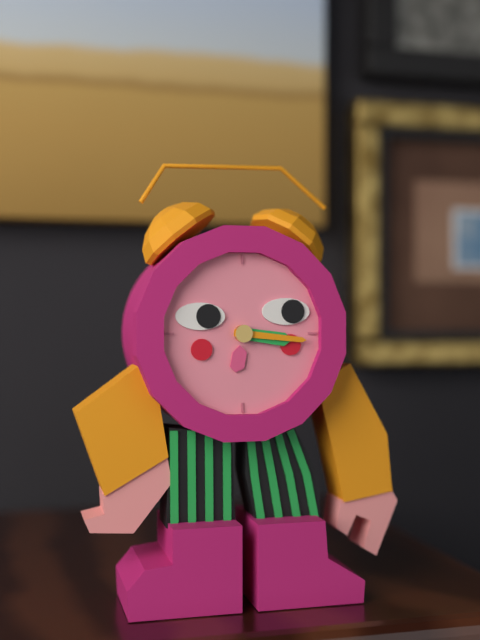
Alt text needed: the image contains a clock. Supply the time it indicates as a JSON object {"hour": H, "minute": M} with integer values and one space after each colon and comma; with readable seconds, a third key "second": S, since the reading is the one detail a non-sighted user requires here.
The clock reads {"hour": 3, "minute": 16}
